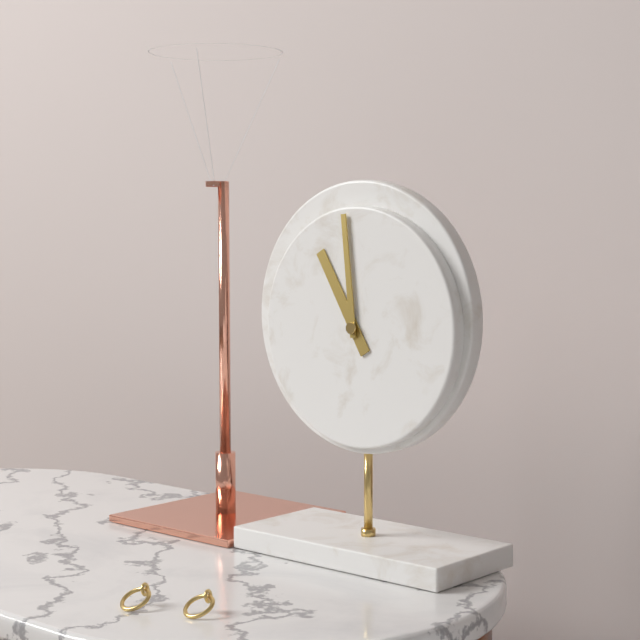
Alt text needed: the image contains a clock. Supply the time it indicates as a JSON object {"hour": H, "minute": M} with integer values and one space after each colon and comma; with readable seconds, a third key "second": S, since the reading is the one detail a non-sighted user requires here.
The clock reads {"hour": 10, "minute": 59}
